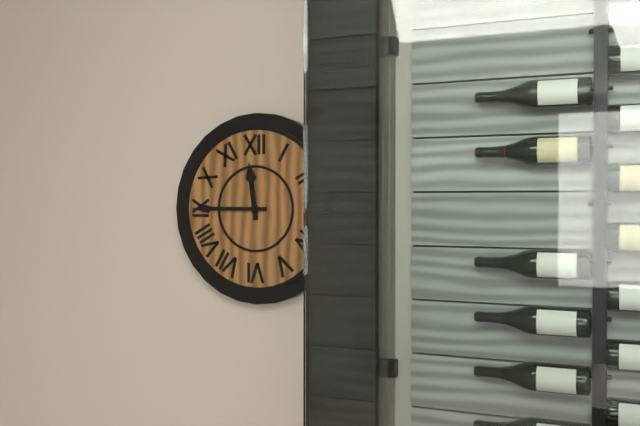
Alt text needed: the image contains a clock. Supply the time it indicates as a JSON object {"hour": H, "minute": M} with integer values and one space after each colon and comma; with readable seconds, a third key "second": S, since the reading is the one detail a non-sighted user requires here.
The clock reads {"hour": 11, "minute": 45}
